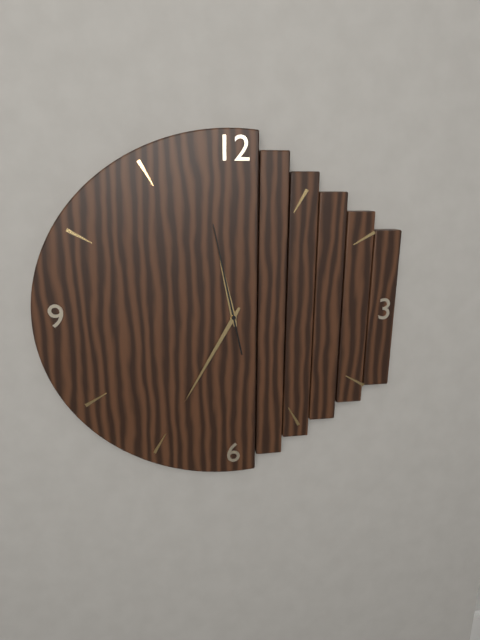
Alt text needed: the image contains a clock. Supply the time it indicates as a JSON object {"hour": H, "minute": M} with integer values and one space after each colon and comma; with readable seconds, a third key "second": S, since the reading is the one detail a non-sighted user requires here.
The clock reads {"hour": 11, "minute": 35, "second": 58}
